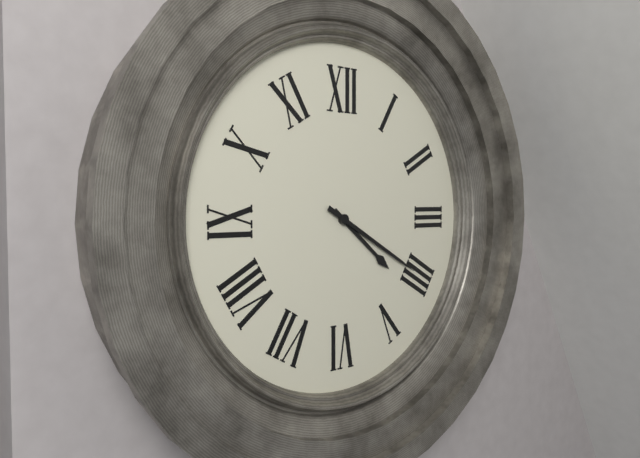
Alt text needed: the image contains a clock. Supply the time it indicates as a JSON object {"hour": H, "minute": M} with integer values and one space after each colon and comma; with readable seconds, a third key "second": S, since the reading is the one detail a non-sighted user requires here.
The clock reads {"hour": 4, "minute": 20}
